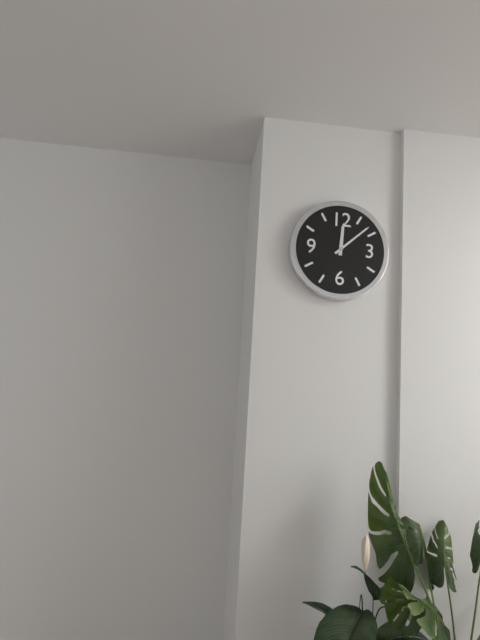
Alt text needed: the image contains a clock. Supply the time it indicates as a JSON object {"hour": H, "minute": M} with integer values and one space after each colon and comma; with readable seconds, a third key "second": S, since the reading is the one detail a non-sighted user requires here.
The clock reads {"hour": 12, "minute": 8}
